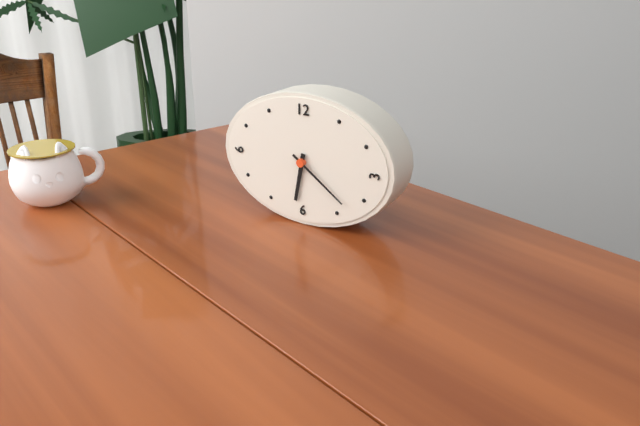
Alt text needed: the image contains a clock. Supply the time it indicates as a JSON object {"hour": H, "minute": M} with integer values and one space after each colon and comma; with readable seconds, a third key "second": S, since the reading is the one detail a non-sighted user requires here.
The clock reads {"hour": 6, "minute": 21}
